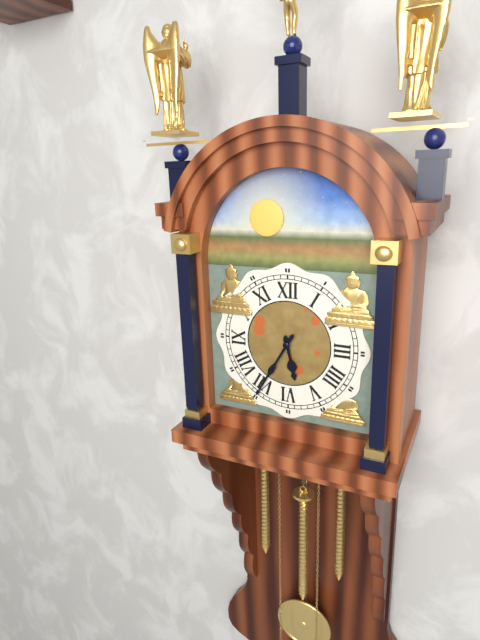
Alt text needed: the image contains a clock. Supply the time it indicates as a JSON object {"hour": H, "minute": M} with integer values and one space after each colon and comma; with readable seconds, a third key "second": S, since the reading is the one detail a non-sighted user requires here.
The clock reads {"hour": 5, "minute": 35}
